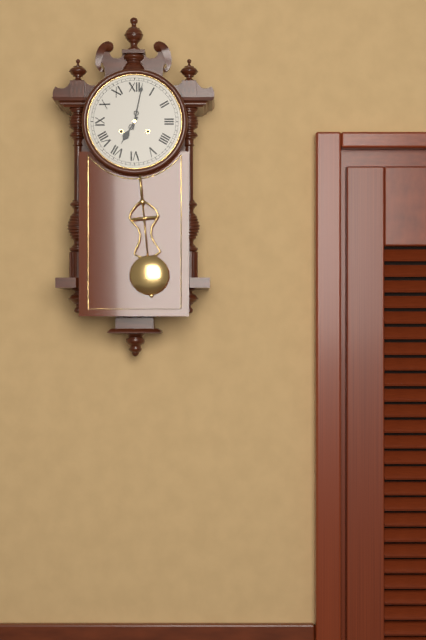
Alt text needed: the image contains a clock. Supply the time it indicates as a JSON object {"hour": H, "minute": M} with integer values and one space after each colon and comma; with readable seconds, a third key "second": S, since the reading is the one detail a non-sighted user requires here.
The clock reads {"hour": 7, "minute": 2}
